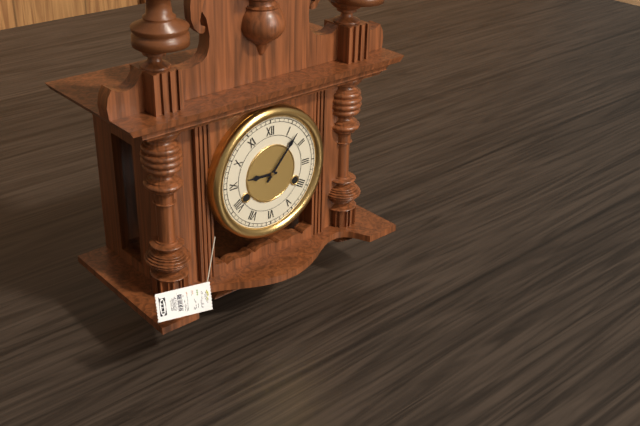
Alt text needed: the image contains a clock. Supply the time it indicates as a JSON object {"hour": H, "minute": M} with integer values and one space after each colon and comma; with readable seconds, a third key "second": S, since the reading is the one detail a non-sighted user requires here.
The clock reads {"hour": 9, "minute": 7}
